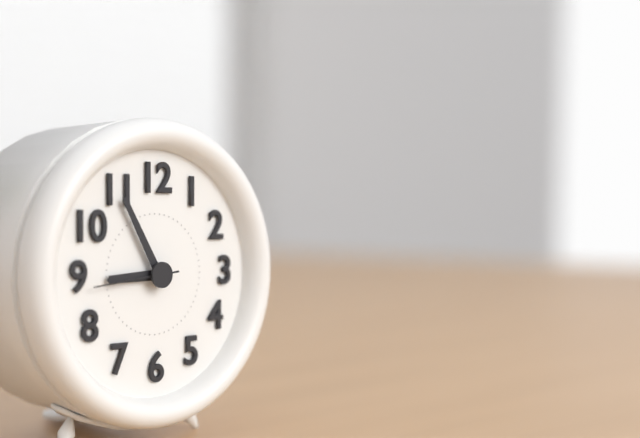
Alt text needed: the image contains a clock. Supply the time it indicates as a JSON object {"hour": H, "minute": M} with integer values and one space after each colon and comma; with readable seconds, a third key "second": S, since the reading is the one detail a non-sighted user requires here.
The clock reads {"hour": 8, "minute": 55, "second": 44}
